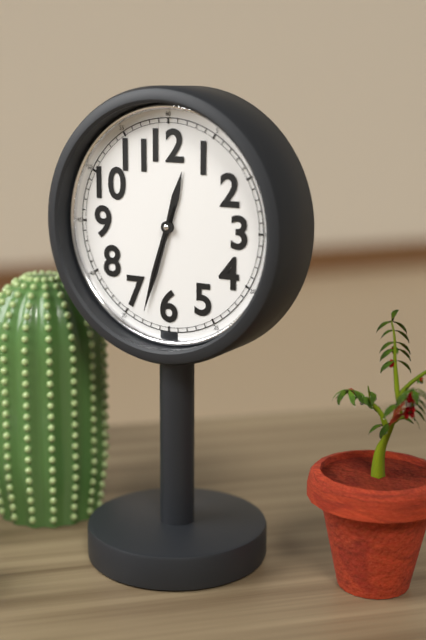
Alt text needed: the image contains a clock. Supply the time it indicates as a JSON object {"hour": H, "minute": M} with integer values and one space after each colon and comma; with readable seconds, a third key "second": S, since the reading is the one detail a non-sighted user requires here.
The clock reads {"hour": 12, "minute": 33, "second": 33}
